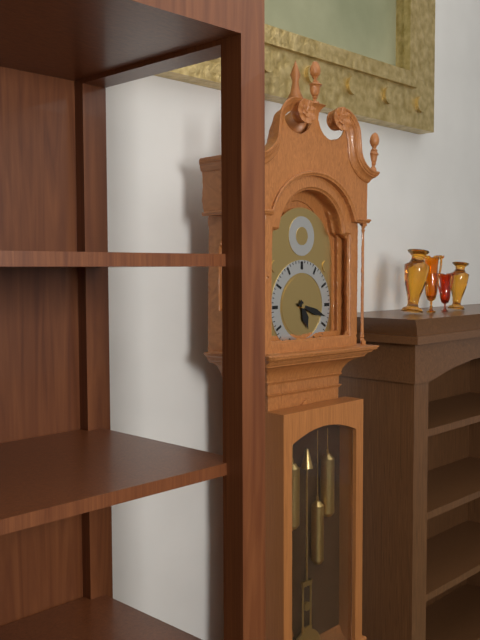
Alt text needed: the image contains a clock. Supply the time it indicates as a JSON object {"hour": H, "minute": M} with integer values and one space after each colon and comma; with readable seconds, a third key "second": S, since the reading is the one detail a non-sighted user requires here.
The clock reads {"hour": 5, "minute": 18}
